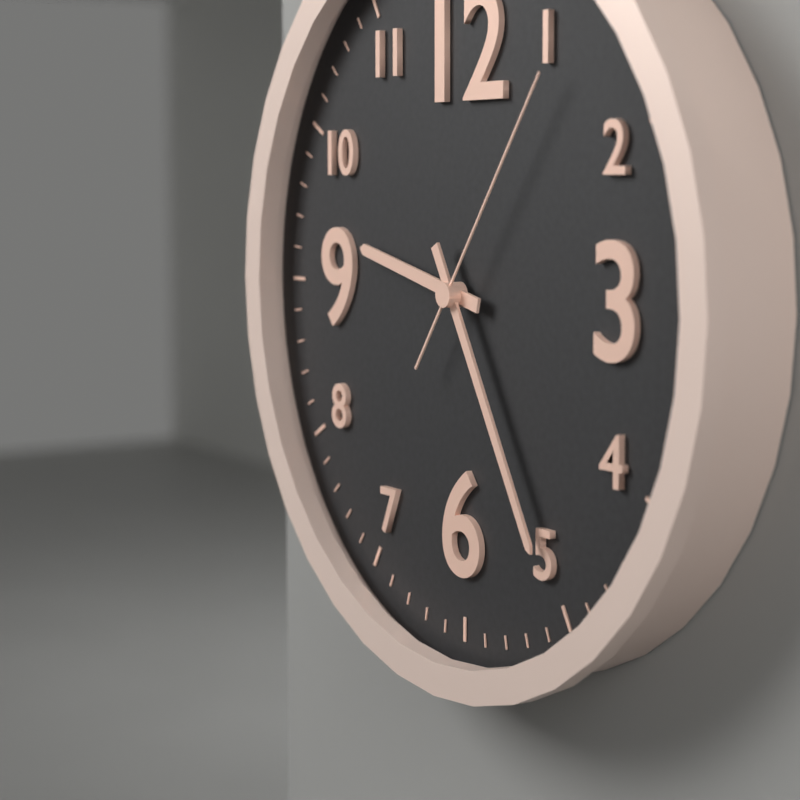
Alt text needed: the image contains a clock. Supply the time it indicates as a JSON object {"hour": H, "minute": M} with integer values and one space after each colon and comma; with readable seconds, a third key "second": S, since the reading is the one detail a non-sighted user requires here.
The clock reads {"hour": 9, "minute": 25, "second": 6}
